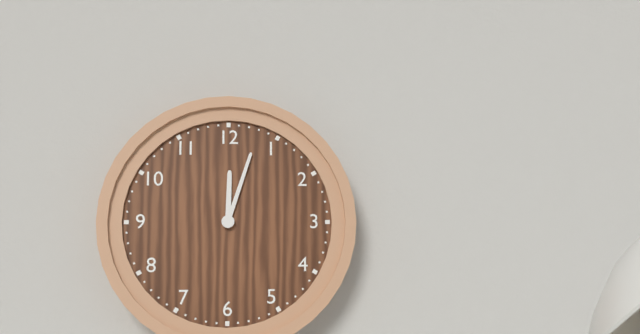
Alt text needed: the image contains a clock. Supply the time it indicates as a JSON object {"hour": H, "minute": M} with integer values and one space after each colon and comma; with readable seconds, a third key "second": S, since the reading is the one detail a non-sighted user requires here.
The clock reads {"hour": 12, "minute": 3}
